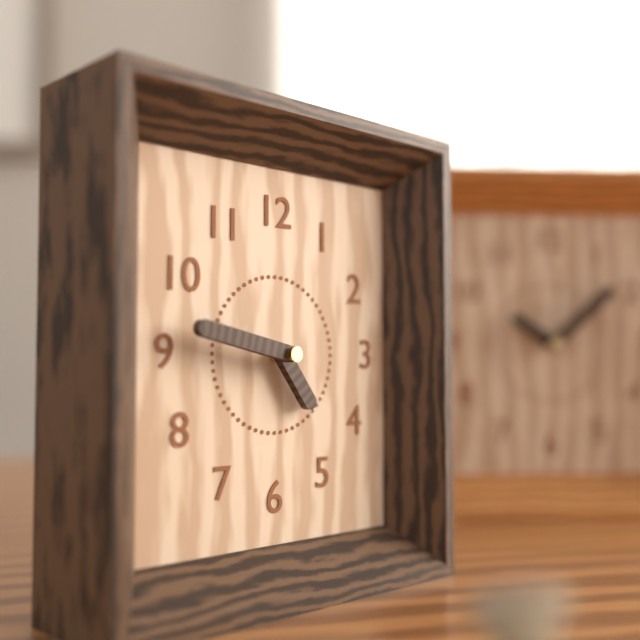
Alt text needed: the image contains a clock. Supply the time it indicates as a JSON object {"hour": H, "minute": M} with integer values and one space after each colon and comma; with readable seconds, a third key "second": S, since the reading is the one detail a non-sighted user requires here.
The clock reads {"hour": 4, "minute": 47}
